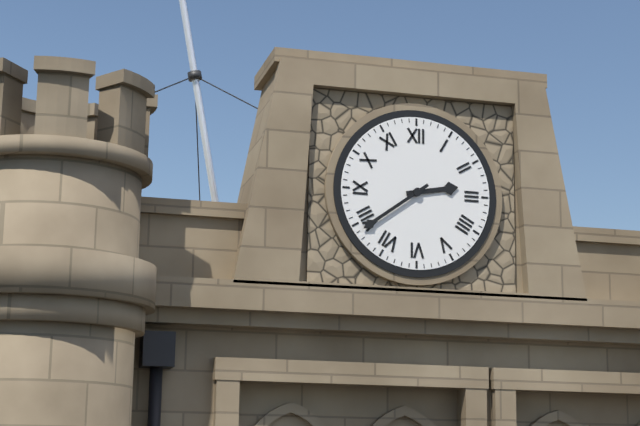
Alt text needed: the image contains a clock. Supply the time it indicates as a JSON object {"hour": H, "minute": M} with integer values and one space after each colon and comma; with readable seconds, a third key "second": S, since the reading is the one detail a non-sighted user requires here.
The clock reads {"hour": 2, "minute": 39}
